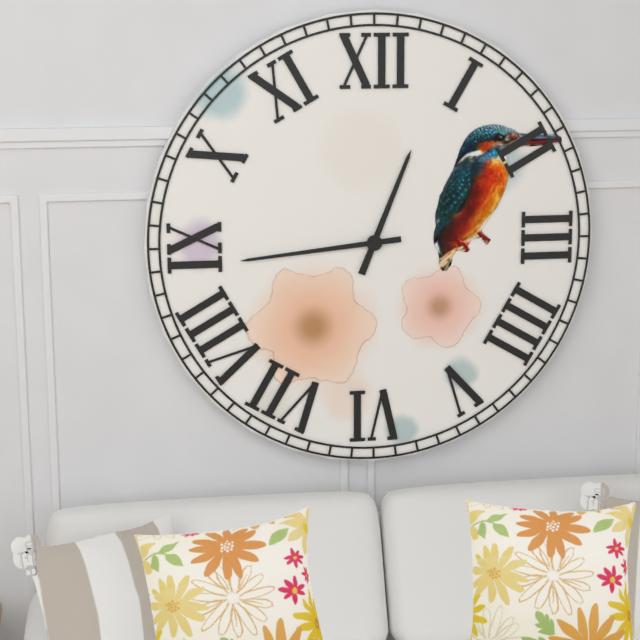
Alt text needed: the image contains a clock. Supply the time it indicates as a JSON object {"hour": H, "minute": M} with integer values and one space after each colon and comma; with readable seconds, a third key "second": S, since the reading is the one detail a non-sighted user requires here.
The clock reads {"hour": 12, "minute": 44}
